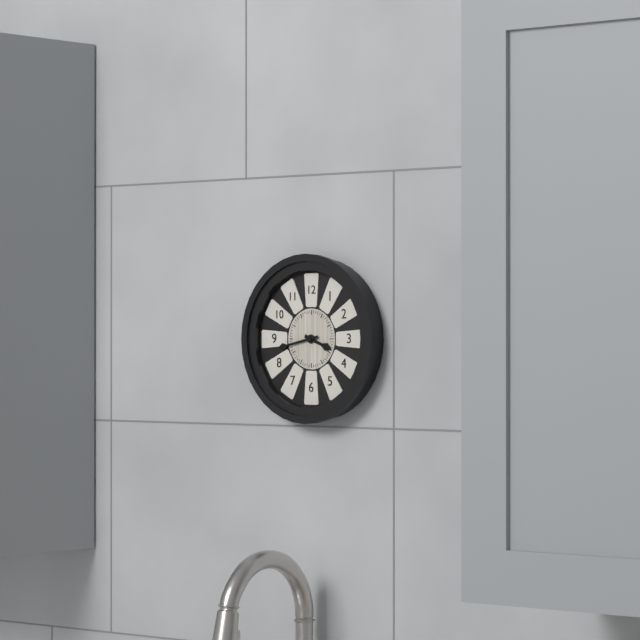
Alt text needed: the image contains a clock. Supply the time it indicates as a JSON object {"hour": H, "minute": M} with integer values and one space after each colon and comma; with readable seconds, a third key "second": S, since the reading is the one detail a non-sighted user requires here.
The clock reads {"hour": 3, "minute": 43}
